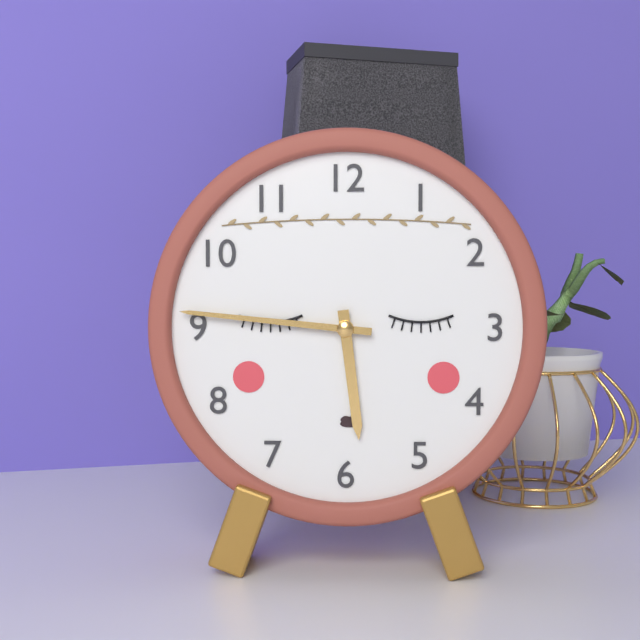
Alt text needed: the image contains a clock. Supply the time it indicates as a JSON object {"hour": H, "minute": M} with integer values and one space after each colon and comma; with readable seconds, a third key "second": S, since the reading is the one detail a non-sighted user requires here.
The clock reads {"hour": 5, "minute": 46}
